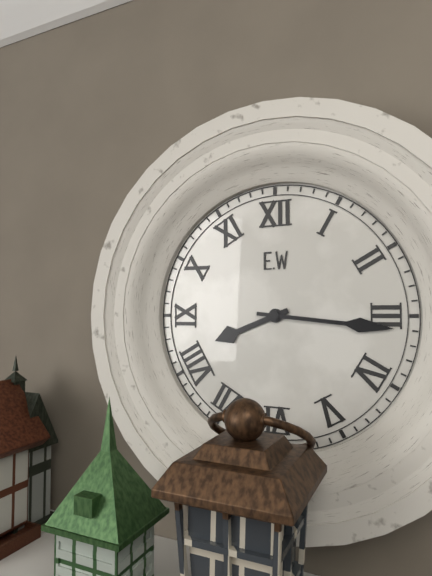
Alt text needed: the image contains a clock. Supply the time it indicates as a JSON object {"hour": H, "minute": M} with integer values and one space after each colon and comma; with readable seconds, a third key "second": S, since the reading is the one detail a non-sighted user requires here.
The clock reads {"hour": 8, "minute": 16}
